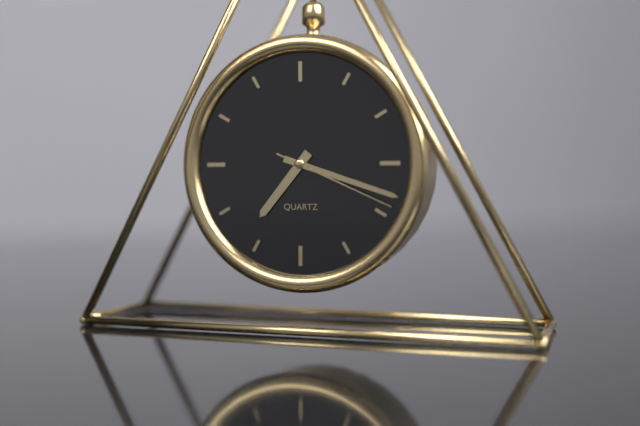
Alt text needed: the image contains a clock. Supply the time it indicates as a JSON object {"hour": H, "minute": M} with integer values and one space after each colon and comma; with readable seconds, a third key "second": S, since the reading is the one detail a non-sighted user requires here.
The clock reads {"hour": 7, "minute": 18, "second": 19}
